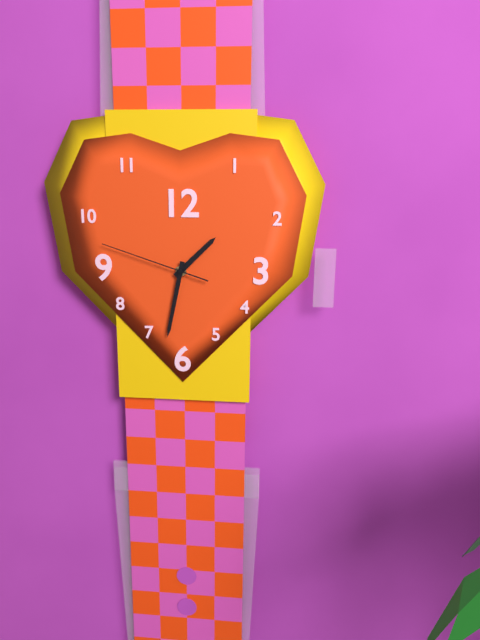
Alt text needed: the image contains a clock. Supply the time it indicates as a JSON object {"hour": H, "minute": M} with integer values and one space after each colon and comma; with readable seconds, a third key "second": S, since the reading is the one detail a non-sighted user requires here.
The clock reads {"hour": 1, "minute": 32, "second": 48}
